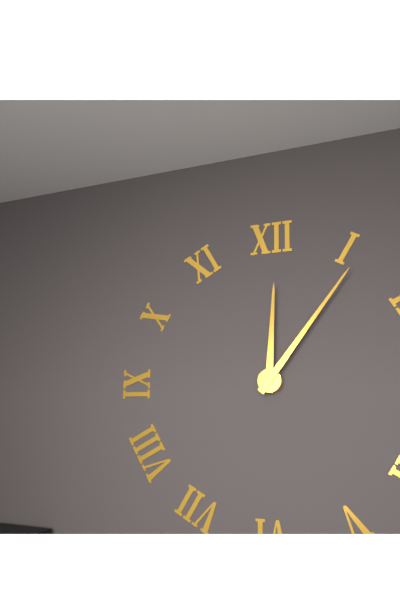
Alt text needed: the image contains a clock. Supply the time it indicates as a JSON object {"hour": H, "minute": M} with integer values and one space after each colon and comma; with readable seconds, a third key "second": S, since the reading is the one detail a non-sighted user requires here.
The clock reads {"hour": 12, "minute": 6}
